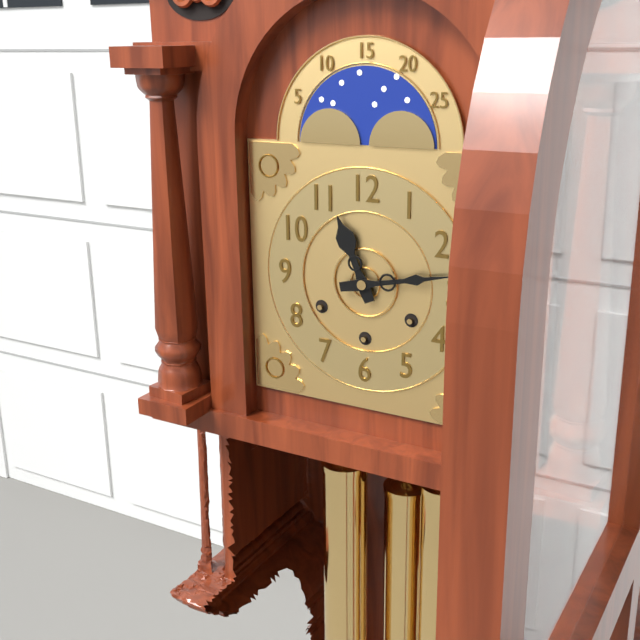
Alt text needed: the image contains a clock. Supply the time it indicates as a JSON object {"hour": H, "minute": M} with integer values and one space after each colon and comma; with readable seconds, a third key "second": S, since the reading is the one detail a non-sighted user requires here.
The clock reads {"hour": 11, "minute": 13}
